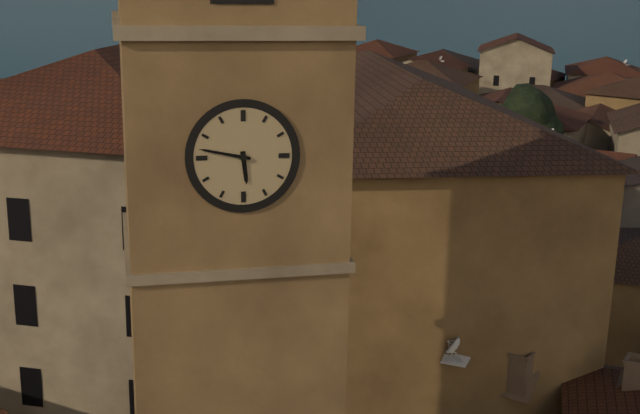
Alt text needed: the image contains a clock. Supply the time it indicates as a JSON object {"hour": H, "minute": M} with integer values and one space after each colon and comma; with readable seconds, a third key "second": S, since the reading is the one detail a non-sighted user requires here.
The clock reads {"hour": 5, "minute": 47}
